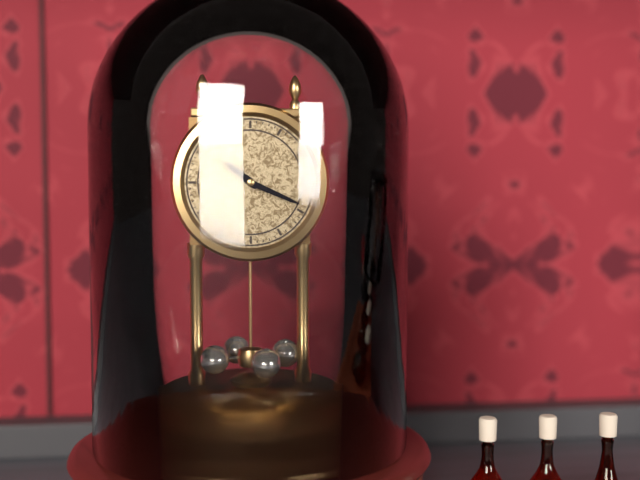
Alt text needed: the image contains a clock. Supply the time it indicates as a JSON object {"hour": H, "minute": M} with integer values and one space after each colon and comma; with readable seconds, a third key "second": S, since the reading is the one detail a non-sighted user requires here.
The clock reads {"hour": 10, "minute": 19}
